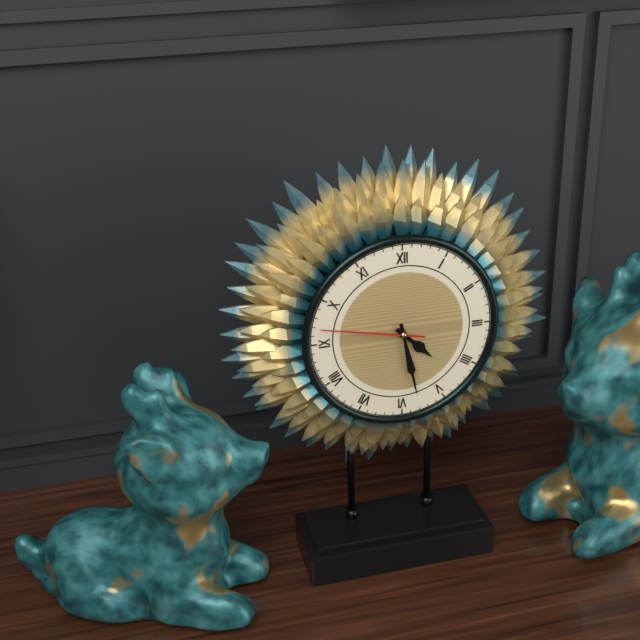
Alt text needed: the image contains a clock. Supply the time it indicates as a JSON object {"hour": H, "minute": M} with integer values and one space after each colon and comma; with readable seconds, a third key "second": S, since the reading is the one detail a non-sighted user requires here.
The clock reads {"hour": 4, "minute": 28, "second": 47}
